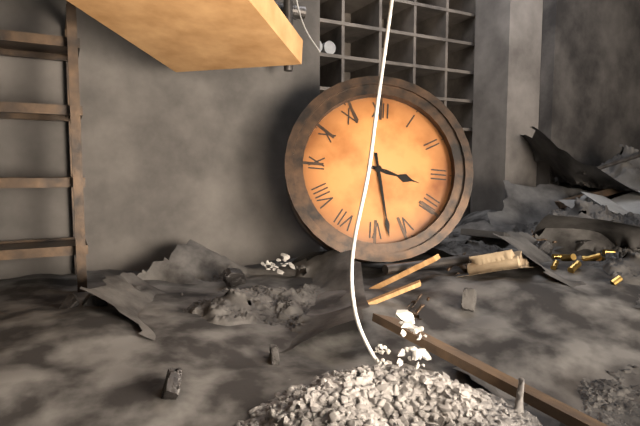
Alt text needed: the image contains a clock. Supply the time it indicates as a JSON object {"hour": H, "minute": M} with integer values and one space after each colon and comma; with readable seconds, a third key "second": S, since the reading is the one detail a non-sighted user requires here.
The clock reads {"hour": 3, "minute": 28}
